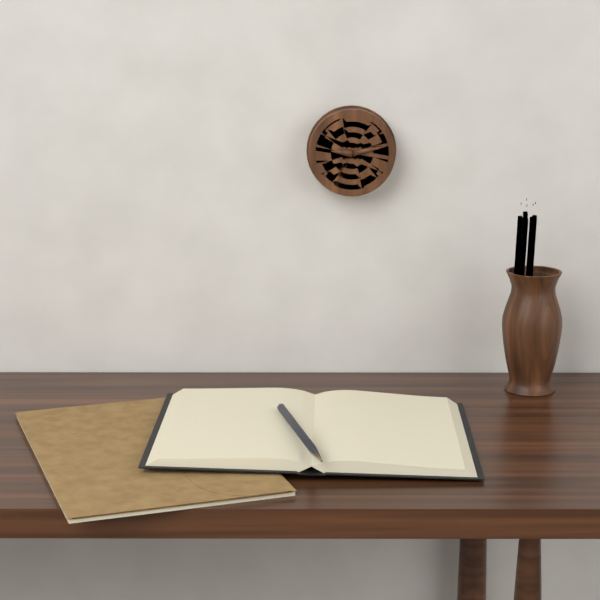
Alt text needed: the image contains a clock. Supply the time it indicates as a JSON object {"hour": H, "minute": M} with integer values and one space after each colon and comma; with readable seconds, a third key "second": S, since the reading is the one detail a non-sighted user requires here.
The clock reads {"hour": 9, "minute": 13}
